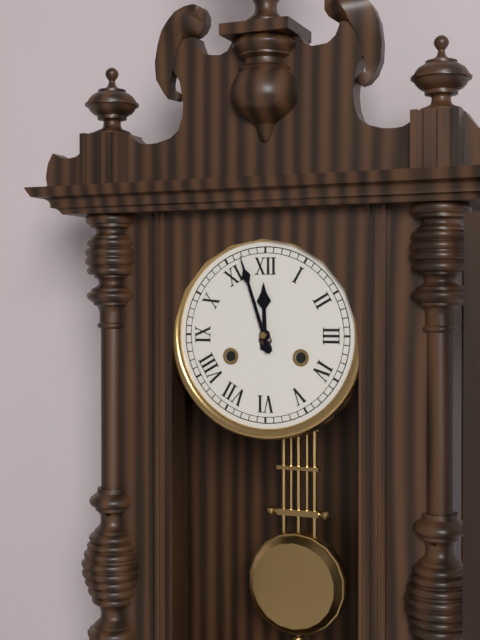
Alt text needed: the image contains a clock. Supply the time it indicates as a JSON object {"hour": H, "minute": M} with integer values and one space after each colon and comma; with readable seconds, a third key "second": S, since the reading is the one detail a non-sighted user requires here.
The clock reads {"hour": 11, "minute": 57}
